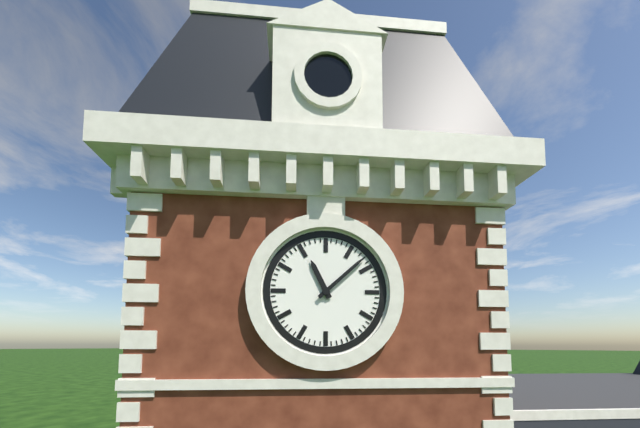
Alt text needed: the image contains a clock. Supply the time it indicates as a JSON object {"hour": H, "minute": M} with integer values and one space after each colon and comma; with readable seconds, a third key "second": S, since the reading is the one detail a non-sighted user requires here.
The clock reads {"hour": 11, "minute": 8}
